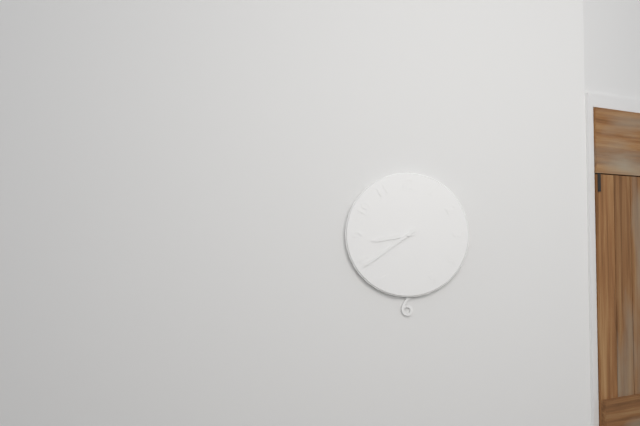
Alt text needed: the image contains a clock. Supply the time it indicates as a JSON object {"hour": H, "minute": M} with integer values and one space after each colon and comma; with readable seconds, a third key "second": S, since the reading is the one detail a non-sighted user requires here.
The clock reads {"hour": 8, "minute": 39}
